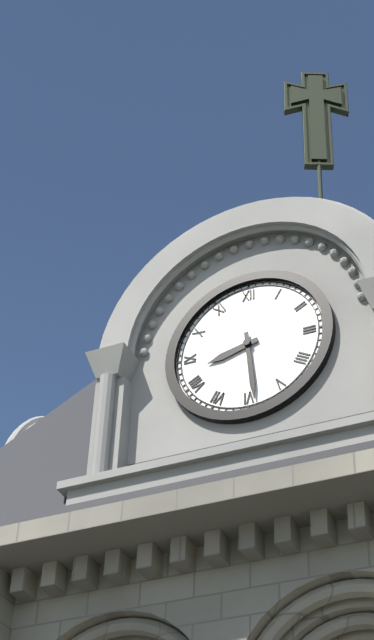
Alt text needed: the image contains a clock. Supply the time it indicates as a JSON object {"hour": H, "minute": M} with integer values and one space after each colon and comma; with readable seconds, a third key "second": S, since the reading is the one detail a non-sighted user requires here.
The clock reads {"hour": 8, "minute": 29}
